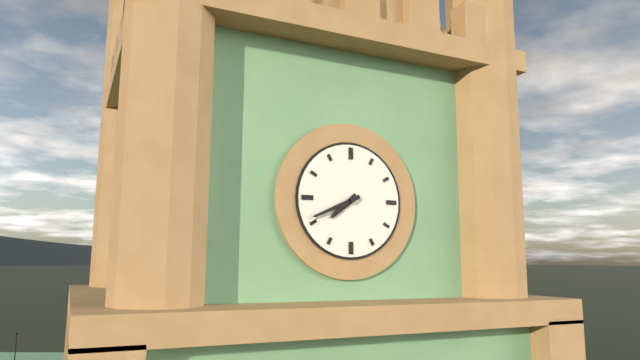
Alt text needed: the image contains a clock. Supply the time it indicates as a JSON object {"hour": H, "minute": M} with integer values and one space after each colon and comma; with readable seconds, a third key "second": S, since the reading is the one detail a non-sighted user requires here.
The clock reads {"hour": 7, "minute": 41}
